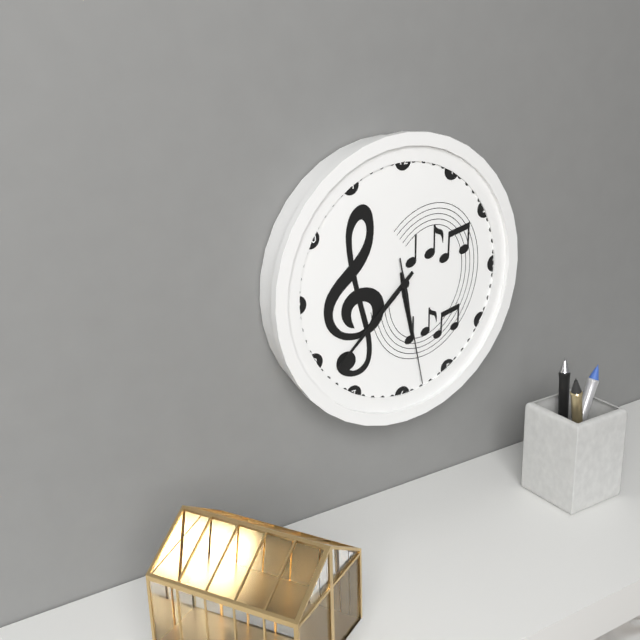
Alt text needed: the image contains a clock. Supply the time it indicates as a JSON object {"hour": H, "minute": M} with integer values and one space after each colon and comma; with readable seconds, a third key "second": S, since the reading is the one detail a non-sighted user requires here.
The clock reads {"hour": 5, "minute": 38, "second": 28}
